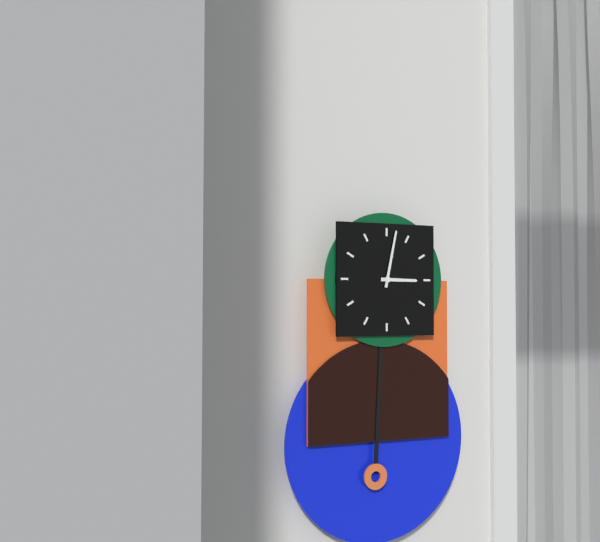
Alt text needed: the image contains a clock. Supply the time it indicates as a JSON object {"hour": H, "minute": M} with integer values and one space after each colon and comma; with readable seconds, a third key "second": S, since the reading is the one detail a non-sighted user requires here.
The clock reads {"hour": 3, "minute": 2}
